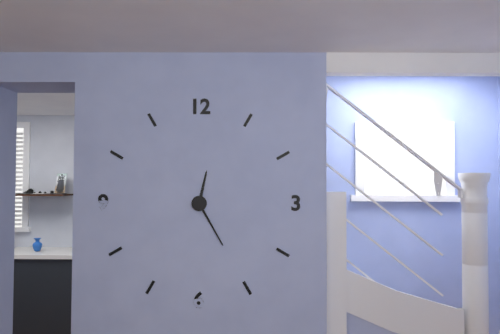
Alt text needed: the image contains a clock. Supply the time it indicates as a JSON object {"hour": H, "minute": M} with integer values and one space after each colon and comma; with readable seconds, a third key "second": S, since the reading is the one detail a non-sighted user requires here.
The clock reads {"hour": 12, "minute": 25}
